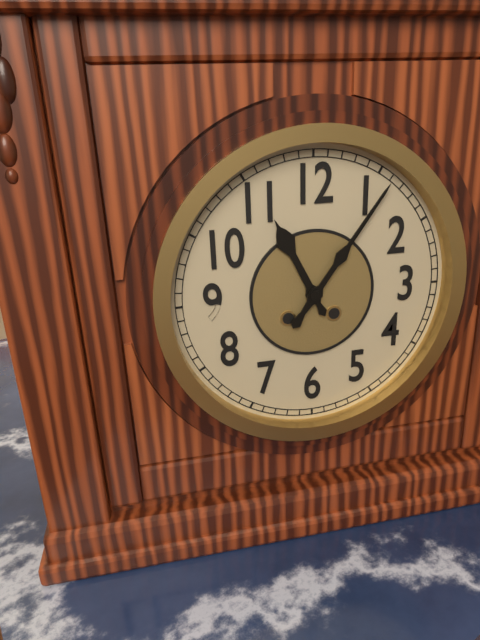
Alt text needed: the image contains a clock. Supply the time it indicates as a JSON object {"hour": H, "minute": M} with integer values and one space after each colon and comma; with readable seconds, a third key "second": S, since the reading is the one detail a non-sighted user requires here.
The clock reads {"hour": 11, "minute": 6}
